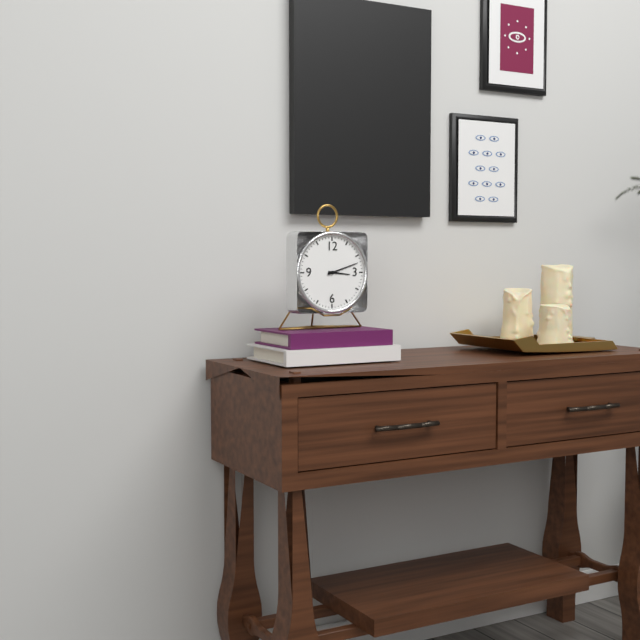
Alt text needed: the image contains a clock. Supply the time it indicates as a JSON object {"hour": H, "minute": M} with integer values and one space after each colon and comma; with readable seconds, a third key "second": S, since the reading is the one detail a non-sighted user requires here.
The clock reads {"hour": 3, "minute": 12}
